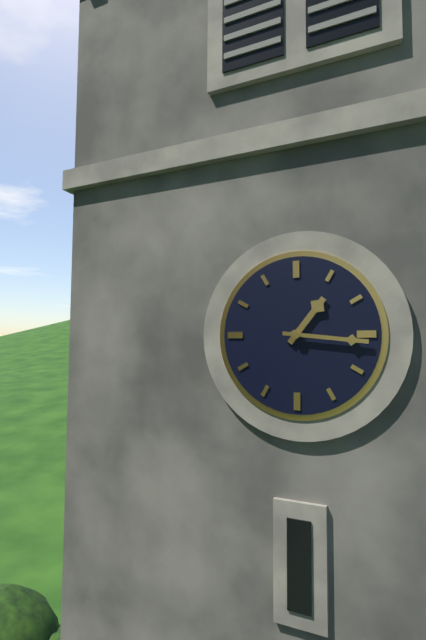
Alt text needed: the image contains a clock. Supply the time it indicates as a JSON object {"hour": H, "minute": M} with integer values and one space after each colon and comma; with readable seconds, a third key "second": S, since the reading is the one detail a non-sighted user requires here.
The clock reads {"hour": 1, "minute": 16}
